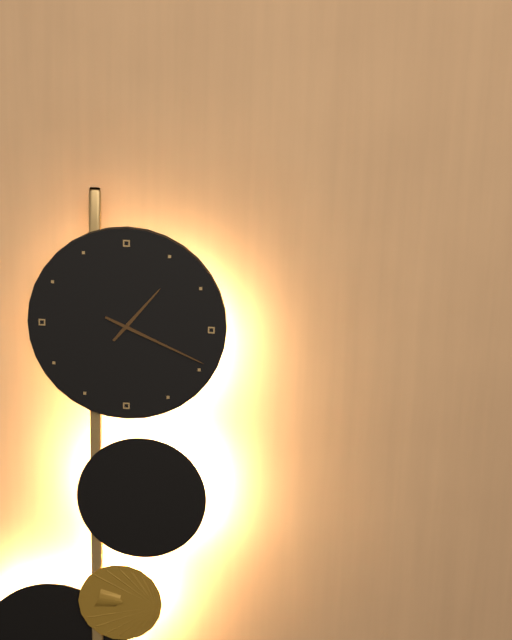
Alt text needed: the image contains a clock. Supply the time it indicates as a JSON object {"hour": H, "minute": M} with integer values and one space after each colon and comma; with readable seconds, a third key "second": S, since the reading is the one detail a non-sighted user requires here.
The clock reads {"hour": 1, "minute": 19}
